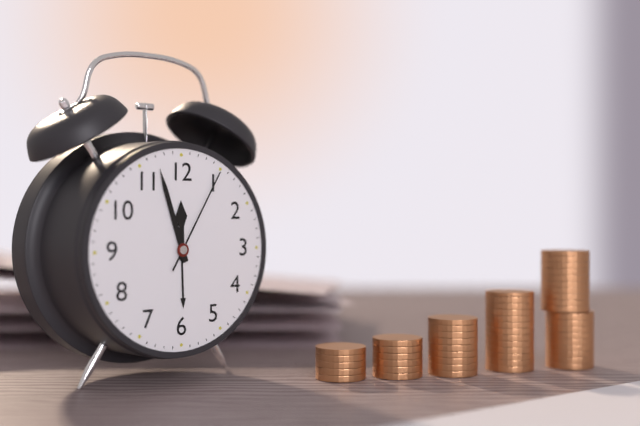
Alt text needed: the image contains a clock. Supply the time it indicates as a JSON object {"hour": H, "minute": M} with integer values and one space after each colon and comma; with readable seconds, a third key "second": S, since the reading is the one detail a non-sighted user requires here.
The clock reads {"hour": 11, "minute": 57, "second": 5}
